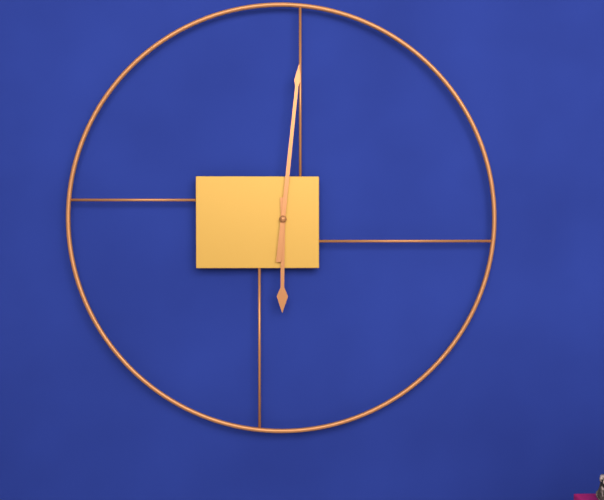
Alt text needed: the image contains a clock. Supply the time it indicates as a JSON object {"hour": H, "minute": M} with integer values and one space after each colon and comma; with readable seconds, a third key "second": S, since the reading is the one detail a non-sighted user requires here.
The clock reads {"hour": 6, "minute": 1}
